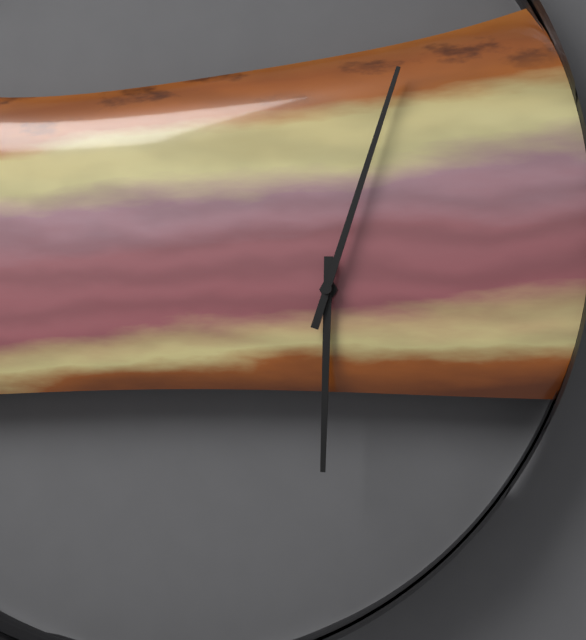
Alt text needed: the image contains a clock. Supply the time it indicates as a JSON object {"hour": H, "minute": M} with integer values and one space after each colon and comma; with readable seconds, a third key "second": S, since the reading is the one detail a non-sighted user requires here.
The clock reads {"hour": 6, "minute": 3}
